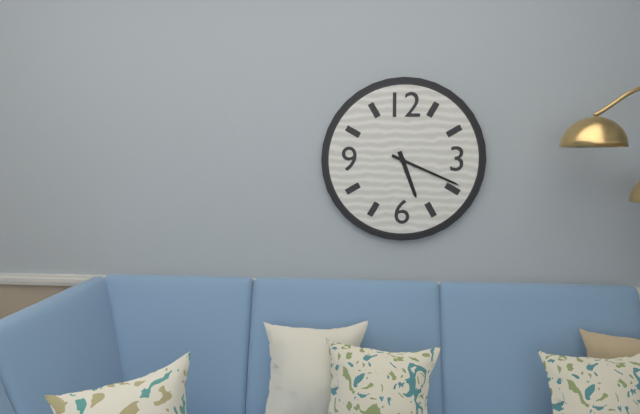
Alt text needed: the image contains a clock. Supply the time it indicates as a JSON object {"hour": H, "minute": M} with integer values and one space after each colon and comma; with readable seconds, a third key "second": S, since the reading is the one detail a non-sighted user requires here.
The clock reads {"hour": 5, "minute": 19}
